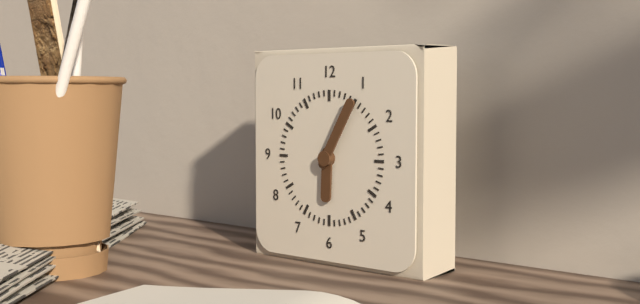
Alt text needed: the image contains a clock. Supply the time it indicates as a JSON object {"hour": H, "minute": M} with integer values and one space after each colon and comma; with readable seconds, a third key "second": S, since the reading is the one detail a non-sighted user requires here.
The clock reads {"hour": 6, "minute": 5}
